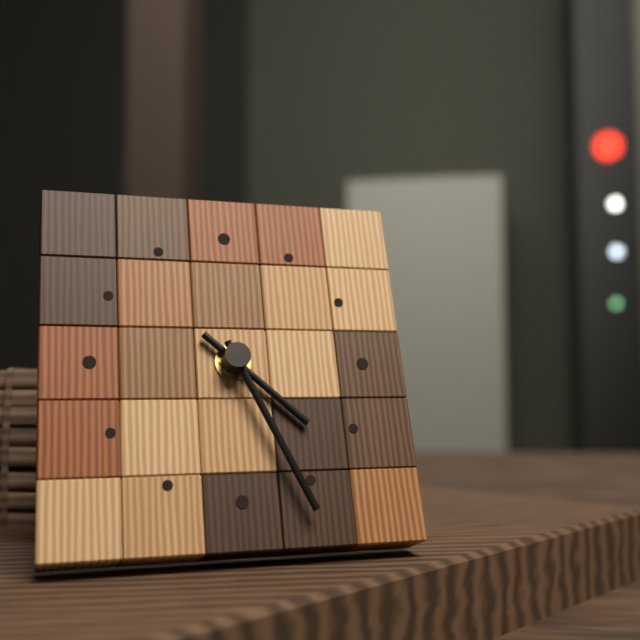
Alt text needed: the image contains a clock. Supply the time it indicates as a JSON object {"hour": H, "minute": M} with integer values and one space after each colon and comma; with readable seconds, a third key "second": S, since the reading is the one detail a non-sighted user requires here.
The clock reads {"hour": 4, "minute": 26}
